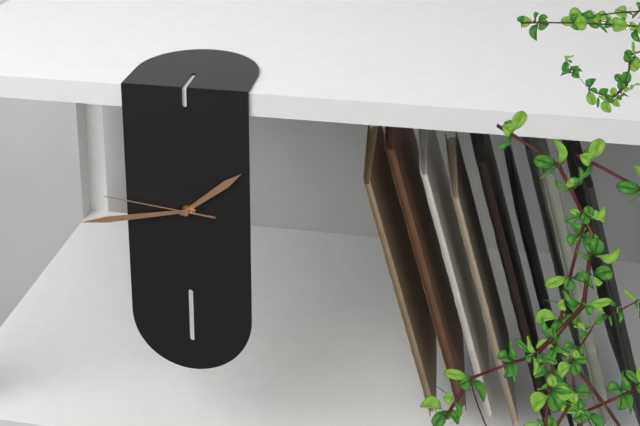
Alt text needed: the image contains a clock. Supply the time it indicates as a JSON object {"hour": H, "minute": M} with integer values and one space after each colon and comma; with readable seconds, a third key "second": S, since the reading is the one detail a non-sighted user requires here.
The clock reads {"hour": 1, "minute": 43, "second": 46}
